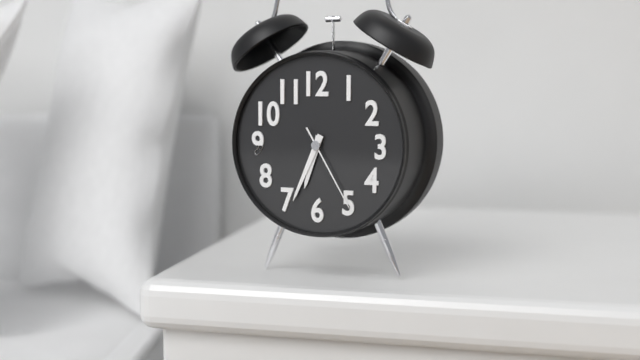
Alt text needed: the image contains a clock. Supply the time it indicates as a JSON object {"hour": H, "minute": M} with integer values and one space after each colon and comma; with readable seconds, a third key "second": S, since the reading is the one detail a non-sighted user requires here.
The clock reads {"hour": 6, "minute": 34, "second": 25}
